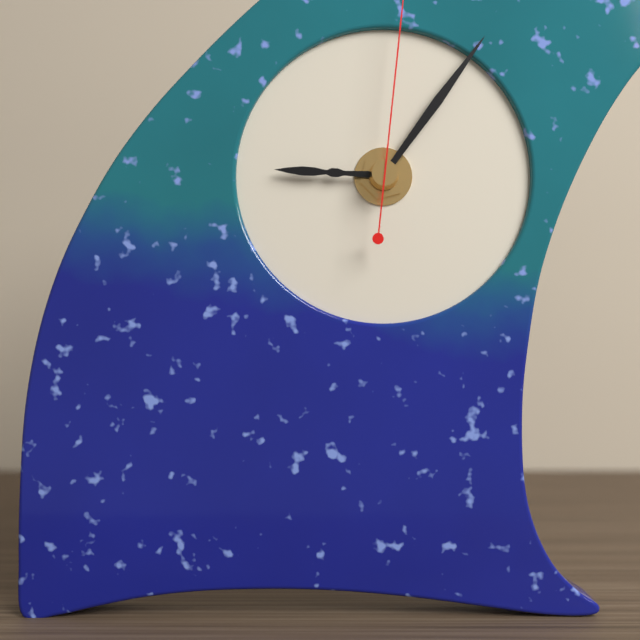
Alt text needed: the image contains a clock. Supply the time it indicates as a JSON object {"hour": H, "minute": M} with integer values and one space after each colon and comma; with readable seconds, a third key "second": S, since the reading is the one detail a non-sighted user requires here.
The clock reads {"hour": 9, "minute": 6}
